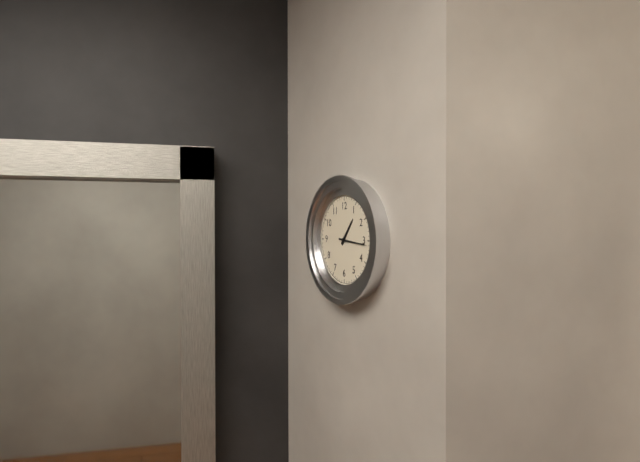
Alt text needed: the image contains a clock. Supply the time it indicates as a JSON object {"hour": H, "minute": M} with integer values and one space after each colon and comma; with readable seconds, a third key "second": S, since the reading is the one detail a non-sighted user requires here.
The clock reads {"hour": 1, "minute": 16}
